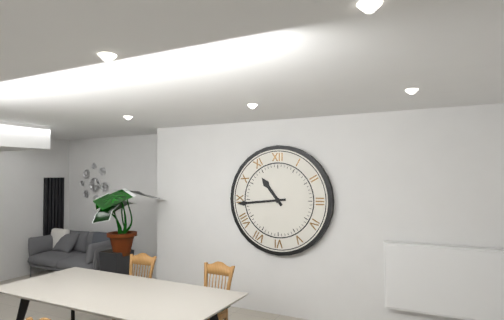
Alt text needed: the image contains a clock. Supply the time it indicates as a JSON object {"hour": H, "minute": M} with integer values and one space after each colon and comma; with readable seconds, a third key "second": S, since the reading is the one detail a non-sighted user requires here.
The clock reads {"hour": 10, "minute": 44}
